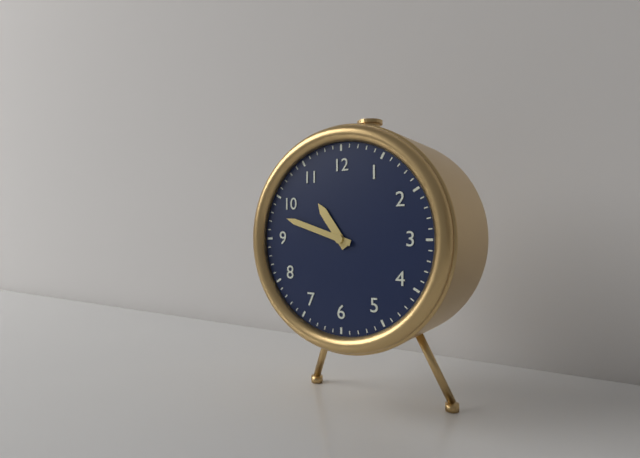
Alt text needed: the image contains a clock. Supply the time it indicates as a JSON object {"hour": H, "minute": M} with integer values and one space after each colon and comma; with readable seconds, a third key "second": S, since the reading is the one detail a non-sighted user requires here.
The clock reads {"hour": 10, "minute": 48}
